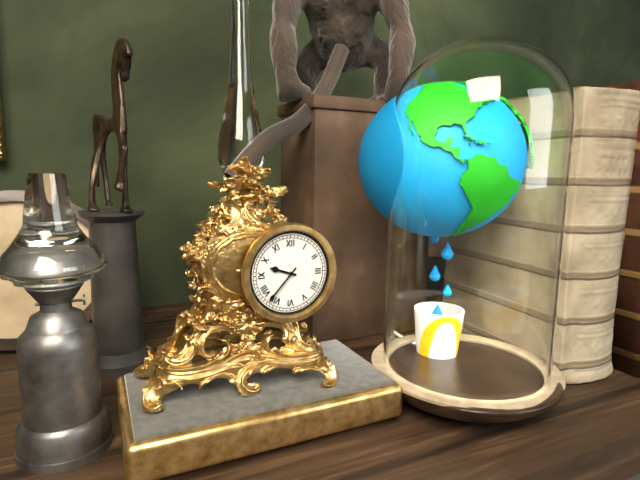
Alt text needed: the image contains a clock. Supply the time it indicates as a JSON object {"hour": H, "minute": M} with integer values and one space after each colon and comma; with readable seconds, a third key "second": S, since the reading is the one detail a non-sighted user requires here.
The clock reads {"hour": 9, "minute": 37}
